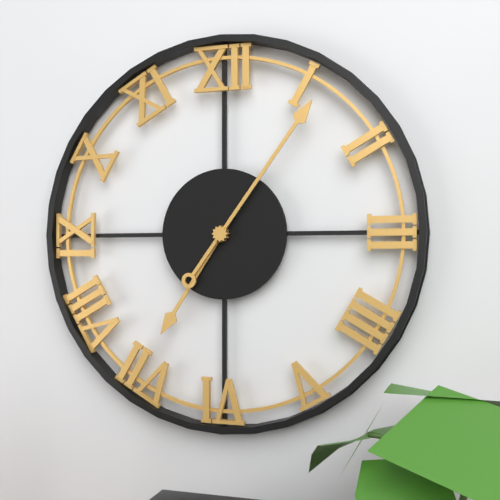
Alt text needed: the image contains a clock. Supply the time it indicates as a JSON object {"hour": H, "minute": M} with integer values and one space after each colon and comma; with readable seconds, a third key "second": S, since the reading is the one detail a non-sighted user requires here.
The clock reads {"hour": 7, "minute": 6}
